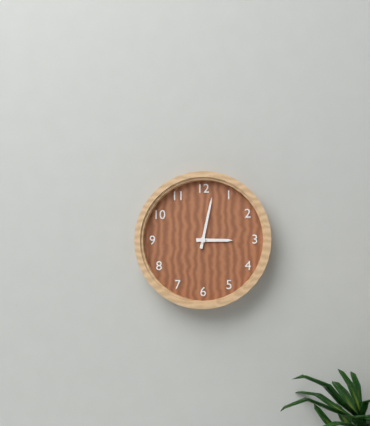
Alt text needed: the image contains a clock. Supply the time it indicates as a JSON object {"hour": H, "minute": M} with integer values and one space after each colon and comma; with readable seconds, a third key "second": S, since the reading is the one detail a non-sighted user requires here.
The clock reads {"hour": 3, "minute": 2}
